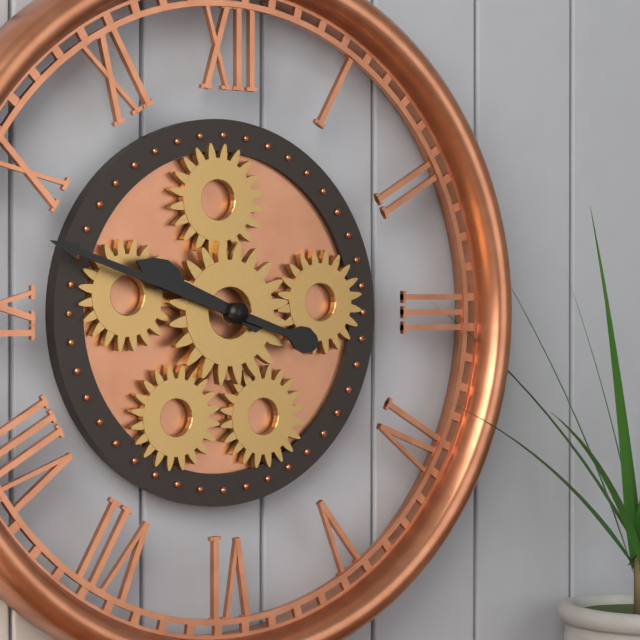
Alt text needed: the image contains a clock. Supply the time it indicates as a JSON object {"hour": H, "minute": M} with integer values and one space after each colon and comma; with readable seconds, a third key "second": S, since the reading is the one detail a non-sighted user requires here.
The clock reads {"hour": 9, "minute": 48}
